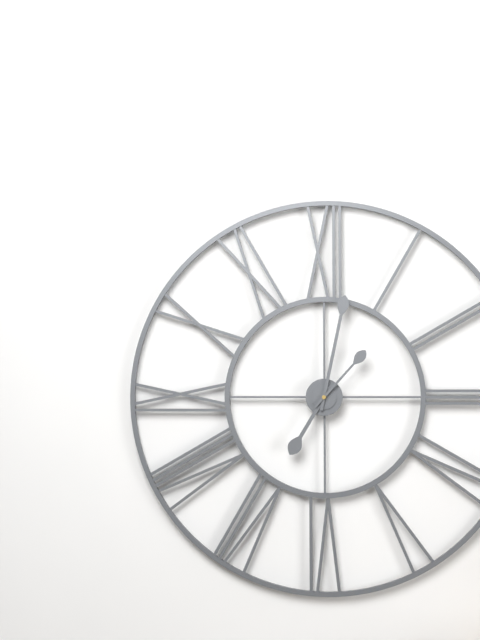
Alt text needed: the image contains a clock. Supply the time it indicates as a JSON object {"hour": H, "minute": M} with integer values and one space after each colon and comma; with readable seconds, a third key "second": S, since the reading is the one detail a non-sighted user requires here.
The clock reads {"hour": 7, "minute": 2, "second": 7}
